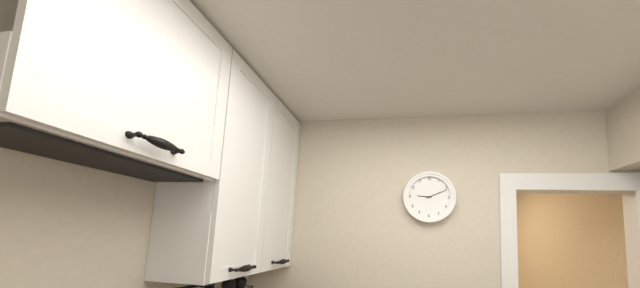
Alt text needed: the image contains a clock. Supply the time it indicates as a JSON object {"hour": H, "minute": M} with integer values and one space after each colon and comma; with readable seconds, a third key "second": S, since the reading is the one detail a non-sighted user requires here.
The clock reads {"hour": 9, "minute": 11}
